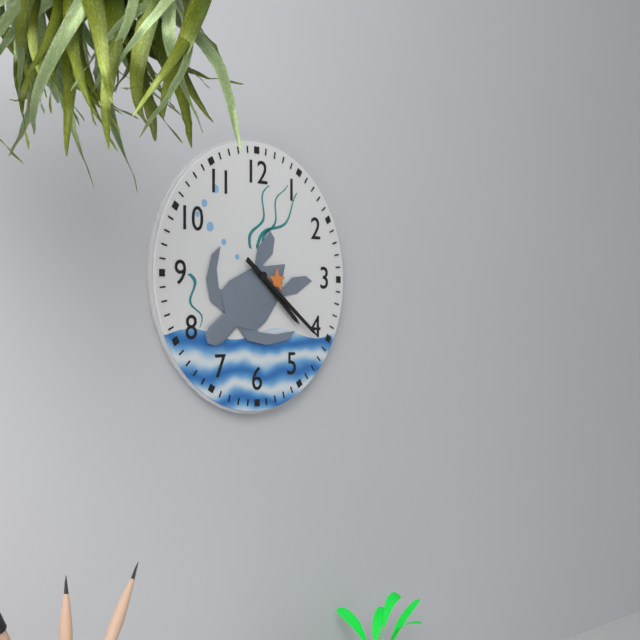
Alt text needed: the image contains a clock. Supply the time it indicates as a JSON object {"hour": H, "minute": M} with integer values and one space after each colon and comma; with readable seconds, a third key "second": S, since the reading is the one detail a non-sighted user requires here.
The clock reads {"hour": 4, "minute": 21}
